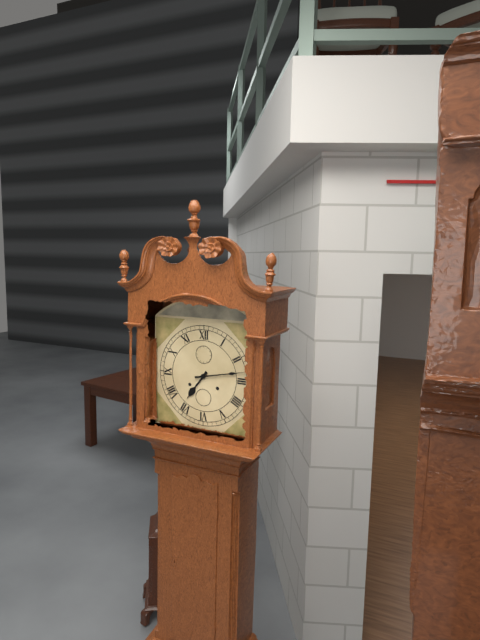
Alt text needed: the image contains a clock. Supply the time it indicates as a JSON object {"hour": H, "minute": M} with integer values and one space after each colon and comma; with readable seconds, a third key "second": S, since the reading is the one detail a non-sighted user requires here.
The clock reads {"hour": 7, "minute": 13}
